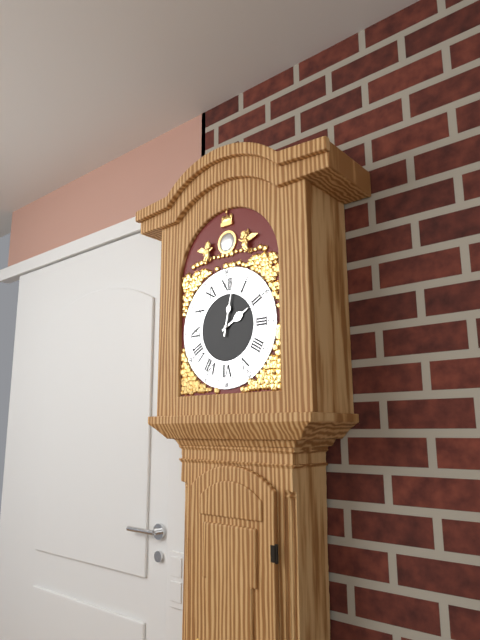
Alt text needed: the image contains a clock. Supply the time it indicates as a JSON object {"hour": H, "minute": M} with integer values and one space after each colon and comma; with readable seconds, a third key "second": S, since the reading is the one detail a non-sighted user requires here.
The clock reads {"hour": 2, "minute": 2}
